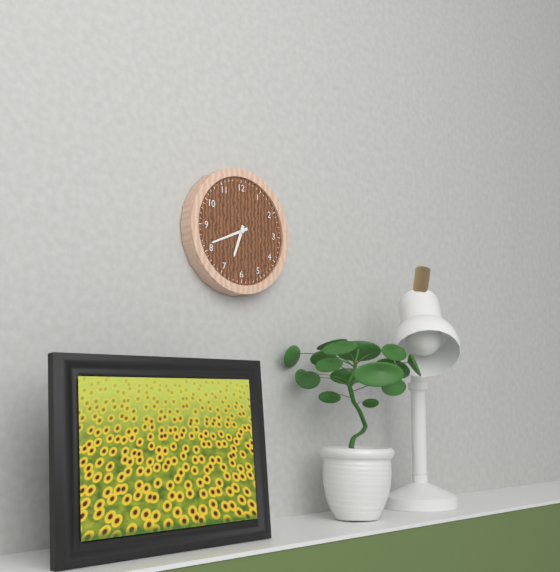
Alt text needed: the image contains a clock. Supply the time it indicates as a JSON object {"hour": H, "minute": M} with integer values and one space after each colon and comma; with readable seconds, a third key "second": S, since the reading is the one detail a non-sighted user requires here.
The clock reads {"hour": 6, "minute": 41}
